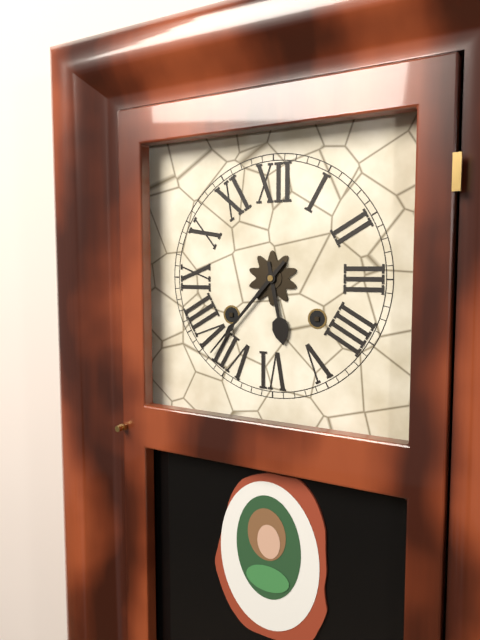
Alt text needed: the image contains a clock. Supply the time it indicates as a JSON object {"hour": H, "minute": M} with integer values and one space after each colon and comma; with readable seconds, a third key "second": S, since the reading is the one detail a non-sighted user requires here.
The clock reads {"hour": 5, "minute": 37}
